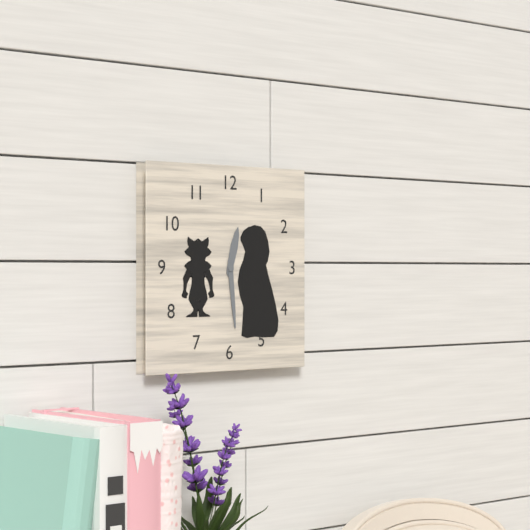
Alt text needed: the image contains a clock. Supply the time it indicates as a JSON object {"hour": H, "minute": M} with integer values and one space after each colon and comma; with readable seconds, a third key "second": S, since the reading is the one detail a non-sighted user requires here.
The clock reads {"hour": 12, "minute": 29}
